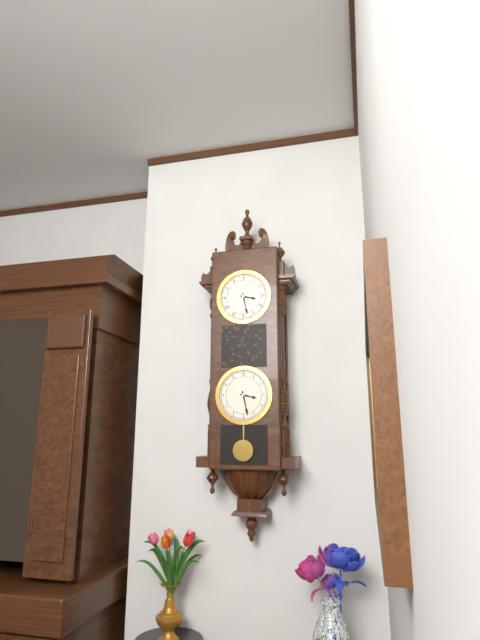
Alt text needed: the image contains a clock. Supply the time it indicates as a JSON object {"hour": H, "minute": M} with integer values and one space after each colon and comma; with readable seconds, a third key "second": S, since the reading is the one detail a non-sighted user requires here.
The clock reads {"hour": 3, "minute": 28}
